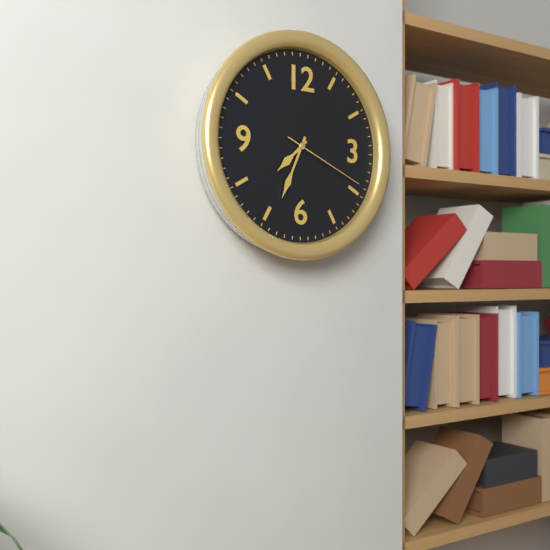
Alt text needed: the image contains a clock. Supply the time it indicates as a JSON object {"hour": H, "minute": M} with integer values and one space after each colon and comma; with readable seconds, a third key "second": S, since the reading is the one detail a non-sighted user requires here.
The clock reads {"hour": 7, "minute": 34, "second": 19}
